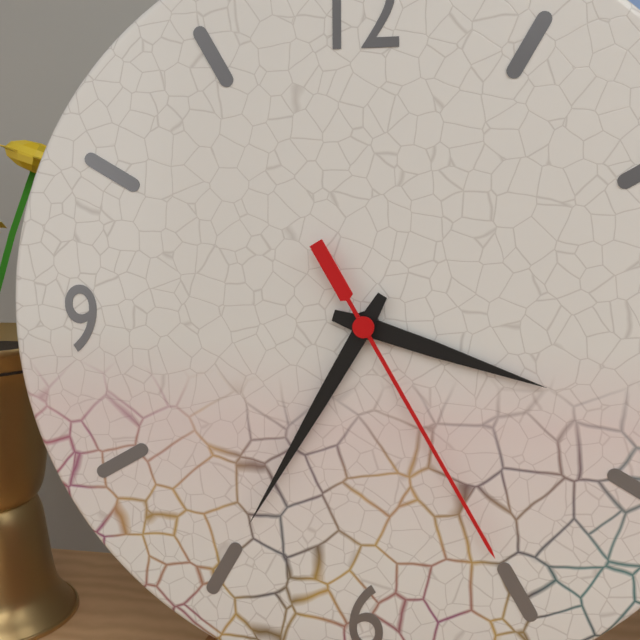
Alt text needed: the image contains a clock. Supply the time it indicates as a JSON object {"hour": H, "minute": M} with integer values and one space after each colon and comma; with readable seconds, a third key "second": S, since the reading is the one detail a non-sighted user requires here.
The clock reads {"hour": 3, "minute": 35, "second": 25}
